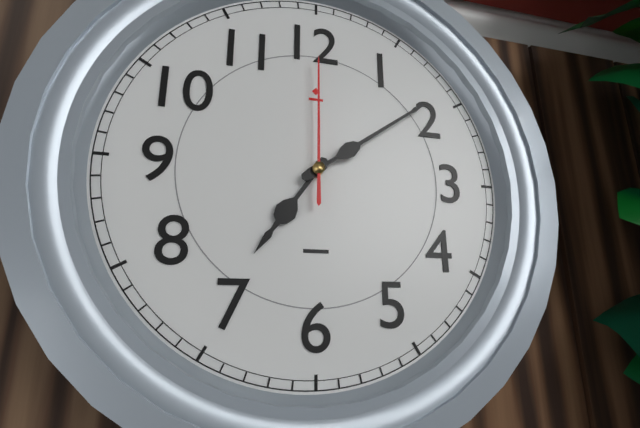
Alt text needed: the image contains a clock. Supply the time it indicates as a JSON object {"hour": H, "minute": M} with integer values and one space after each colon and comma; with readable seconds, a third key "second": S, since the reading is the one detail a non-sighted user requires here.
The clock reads {"hour": 7, "minute": 9, "second": 0}
